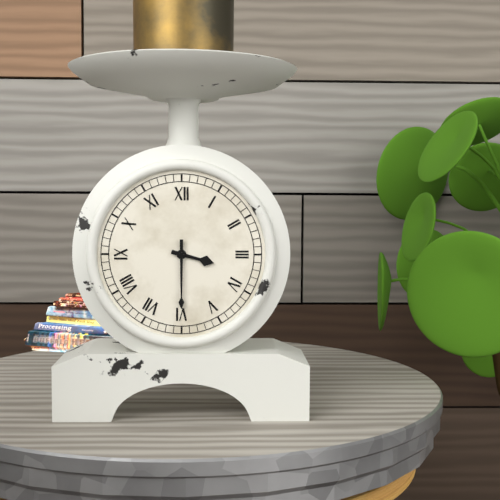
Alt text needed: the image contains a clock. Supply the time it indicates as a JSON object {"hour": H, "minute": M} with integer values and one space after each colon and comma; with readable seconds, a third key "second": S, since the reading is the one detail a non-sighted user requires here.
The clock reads {"hour": 3, "minute": 30}
